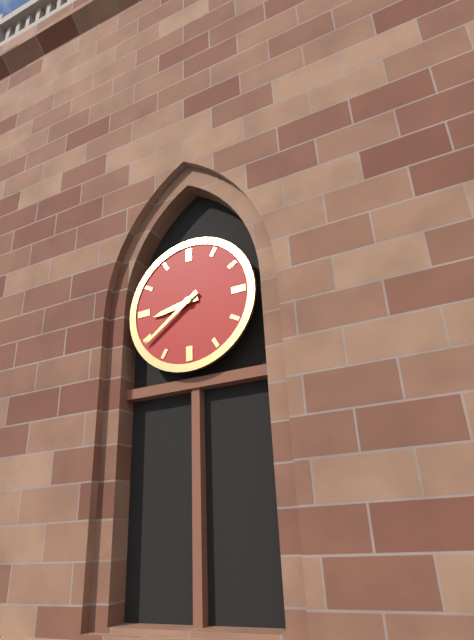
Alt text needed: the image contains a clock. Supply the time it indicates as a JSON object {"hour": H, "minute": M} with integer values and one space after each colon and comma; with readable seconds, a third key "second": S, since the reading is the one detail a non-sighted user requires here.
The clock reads {"hour": 8, "minute": 39}
